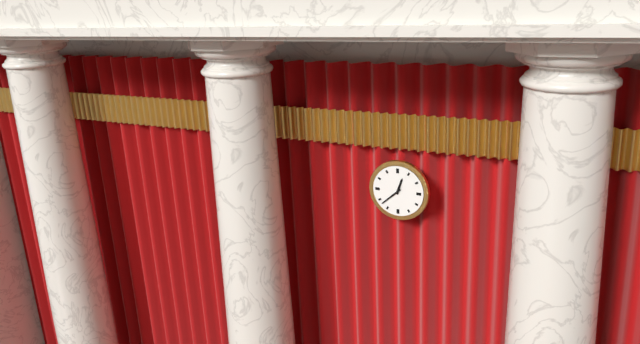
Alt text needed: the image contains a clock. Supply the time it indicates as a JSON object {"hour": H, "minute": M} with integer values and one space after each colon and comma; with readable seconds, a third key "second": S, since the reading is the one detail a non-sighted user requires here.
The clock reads {"hour": 12, "minute": 38}
